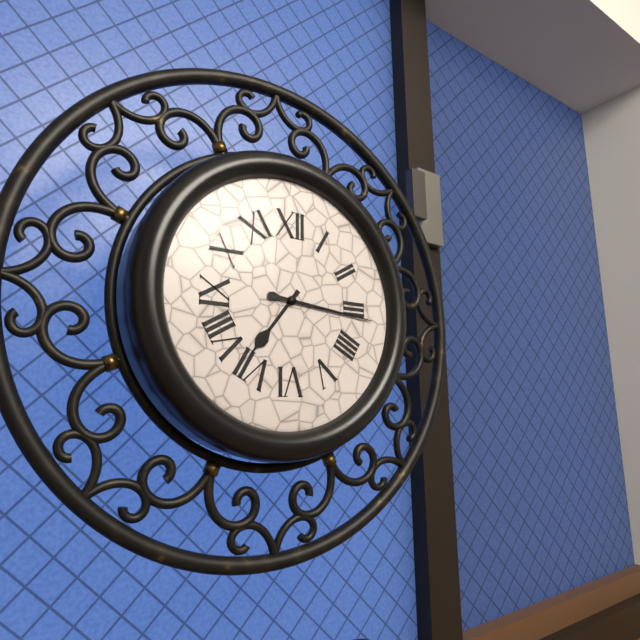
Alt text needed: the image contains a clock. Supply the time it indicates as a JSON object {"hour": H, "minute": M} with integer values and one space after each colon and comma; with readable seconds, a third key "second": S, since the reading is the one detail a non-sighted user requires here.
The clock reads {"hour": 7, "minute": 16}
